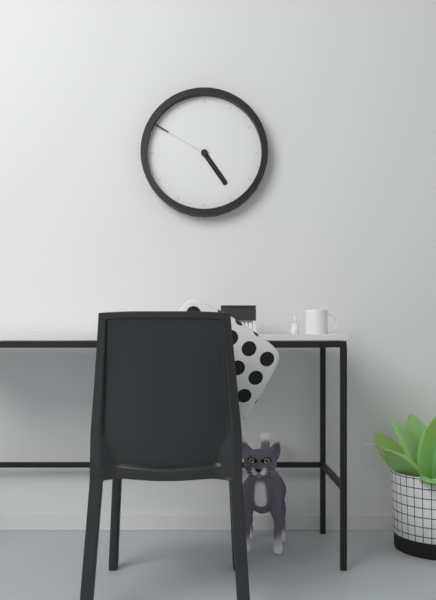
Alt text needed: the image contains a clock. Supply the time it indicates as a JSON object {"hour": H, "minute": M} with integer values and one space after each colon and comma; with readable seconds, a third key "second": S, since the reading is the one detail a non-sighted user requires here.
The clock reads {"hour": 4, "minute": 50}
